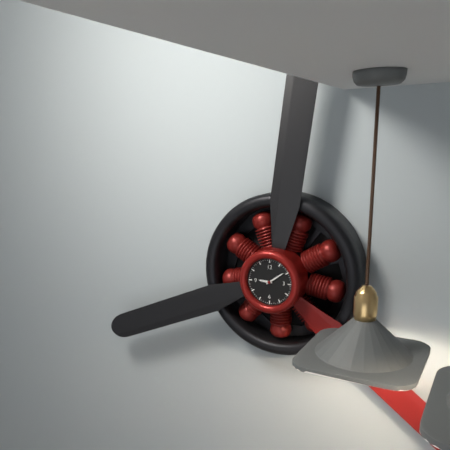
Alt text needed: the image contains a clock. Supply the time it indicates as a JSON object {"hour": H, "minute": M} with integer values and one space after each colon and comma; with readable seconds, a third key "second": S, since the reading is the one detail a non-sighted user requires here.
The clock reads {"hour": 9, "minute": 9}
